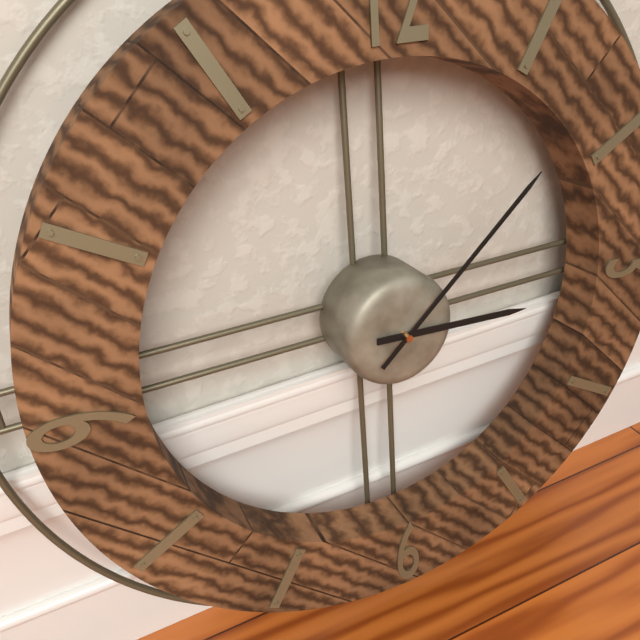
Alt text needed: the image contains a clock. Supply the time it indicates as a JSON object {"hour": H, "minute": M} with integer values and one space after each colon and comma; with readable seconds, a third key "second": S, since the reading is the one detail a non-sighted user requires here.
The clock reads {"hour": 3, "minute": 8}
